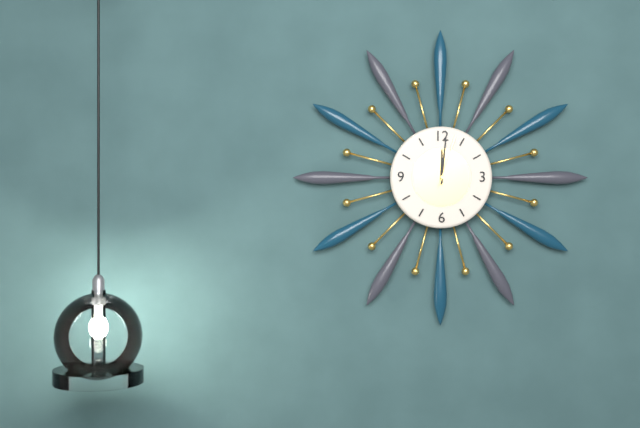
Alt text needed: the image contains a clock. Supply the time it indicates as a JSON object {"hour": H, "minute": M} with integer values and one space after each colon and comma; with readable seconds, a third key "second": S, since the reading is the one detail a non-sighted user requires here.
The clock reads {"hour": 12, "minute": 1, "second": 3}
